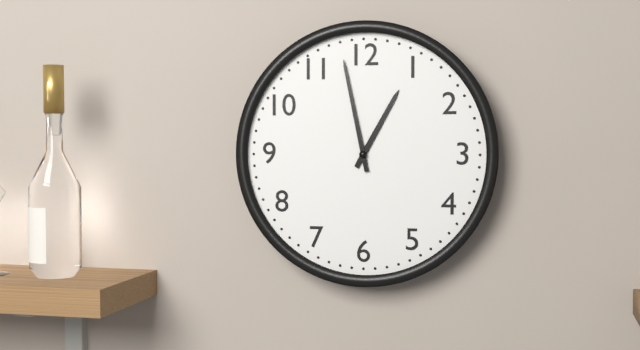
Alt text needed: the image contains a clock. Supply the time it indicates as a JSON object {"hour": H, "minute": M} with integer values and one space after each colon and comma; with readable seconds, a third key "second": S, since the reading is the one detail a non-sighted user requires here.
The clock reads {"hour": 12, "minute": 58}
